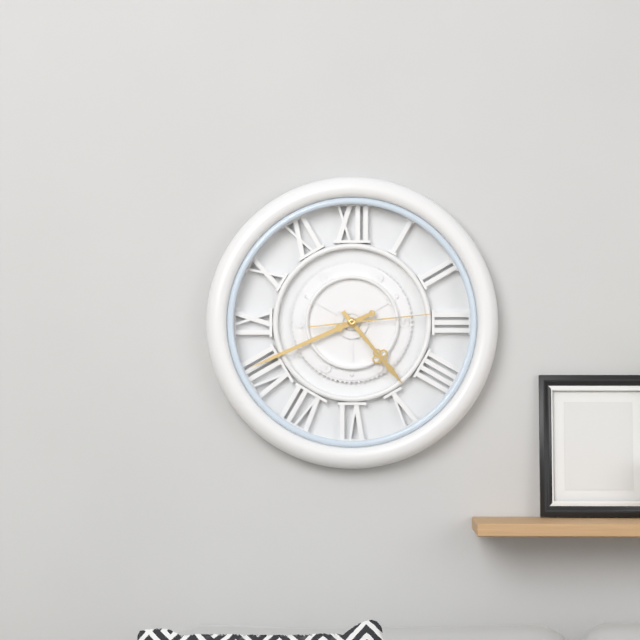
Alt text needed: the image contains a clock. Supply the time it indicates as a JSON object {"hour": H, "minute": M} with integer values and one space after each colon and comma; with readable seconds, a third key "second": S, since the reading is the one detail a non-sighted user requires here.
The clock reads {"hour": 4, "minute": 41, "second": 14}
